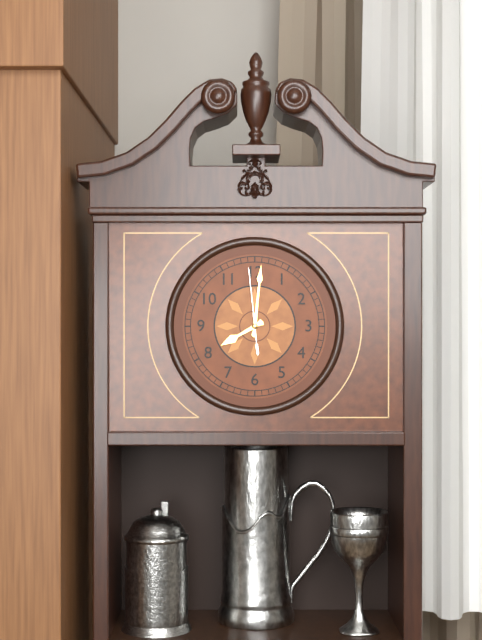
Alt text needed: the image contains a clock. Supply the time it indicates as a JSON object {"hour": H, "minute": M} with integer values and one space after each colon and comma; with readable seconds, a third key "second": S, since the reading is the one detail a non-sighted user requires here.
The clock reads {"hour": 8, "minute": 1, "second": 59}
